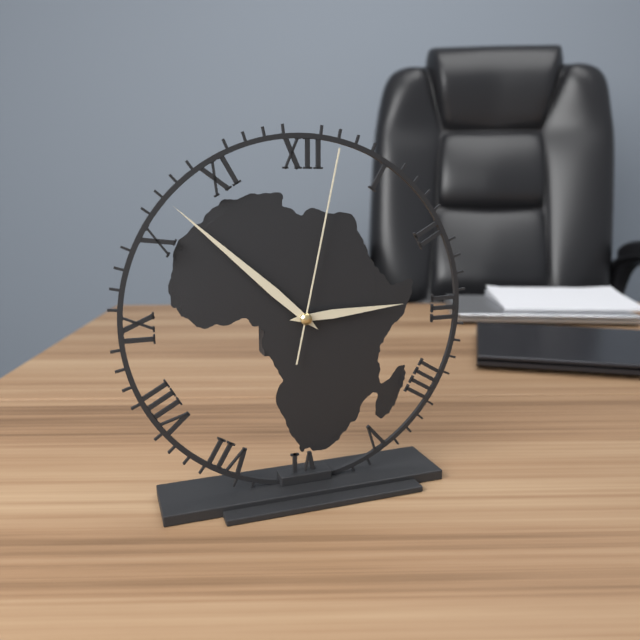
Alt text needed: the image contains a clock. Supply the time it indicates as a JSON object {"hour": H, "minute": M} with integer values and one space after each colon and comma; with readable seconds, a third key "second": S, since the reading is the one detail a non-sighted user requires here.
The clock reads {"hour": 2, "minute": 52, "second": 2}
